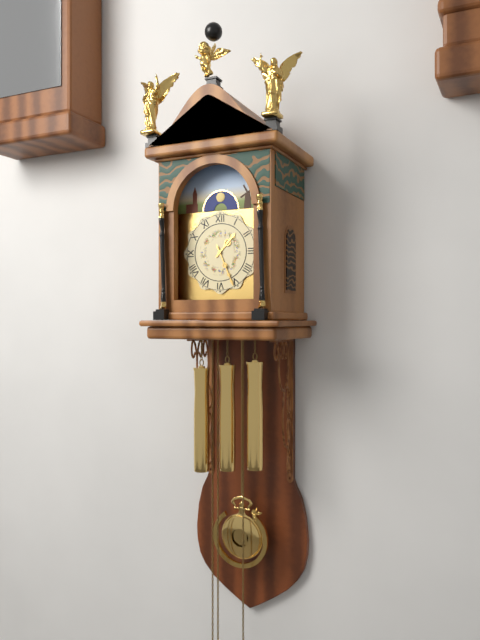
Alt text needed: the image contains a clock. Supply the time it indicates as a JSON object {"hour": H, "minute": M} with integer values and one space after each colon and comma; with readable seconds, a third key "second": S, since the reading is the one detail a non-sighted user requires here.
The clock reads {"hour": 1, "minute": 26}
